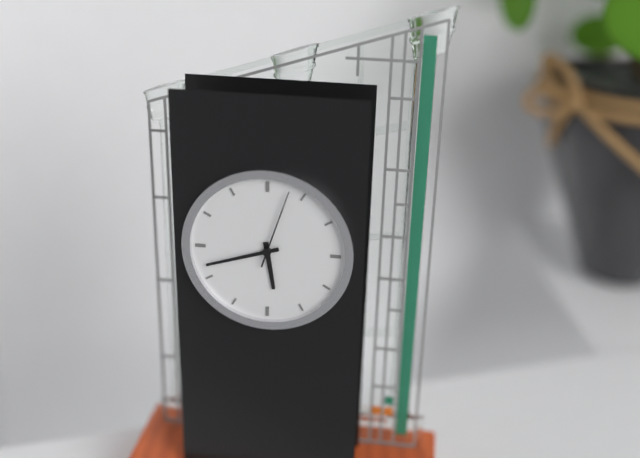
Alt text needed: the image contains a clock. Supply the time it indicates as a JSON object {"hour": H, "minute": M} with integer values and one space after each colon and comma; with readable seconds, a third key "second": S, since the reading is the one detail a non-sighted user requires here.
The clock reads {"hour": 5, "minute": 42, "second": 3}
